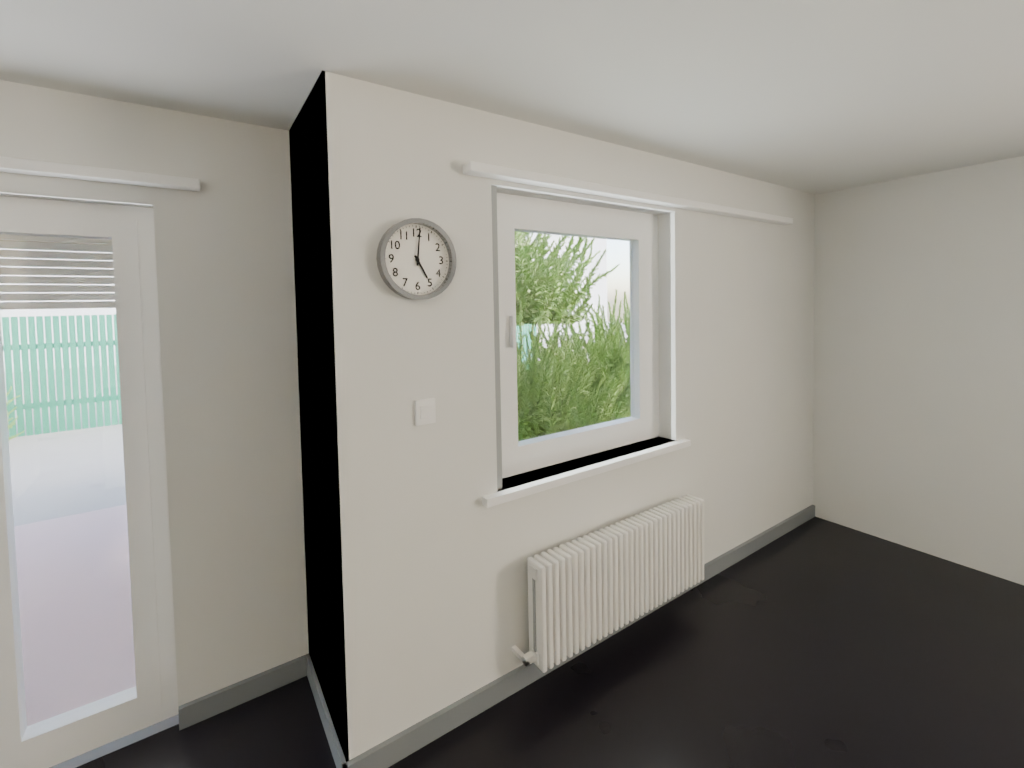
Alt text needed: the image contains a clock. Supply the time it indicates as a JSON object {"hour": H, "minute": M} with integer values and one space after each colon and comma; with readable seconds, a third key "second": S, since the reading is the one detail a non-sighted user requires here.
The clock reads {"hour": 5, "minute": 1}
